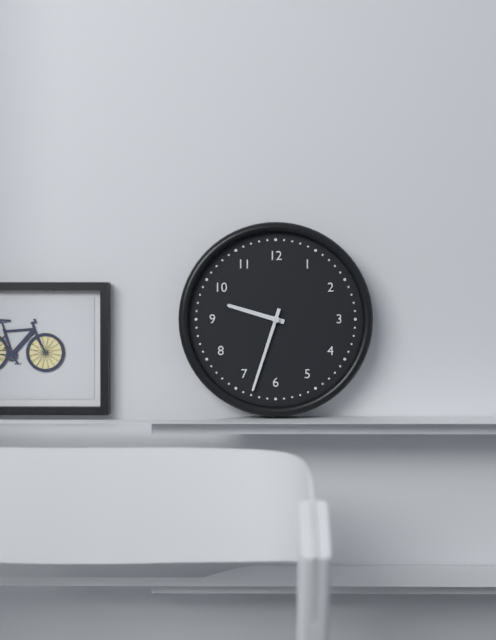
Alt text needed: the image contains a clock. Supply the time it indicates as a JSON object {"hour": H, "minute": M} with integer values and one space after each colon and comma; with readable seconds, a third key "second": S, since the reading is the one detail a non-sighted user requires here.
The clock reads {"hour": 9, "minute": 33}
